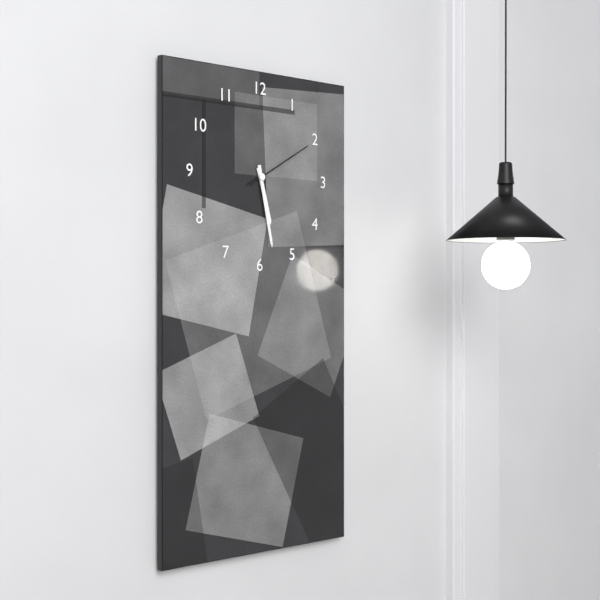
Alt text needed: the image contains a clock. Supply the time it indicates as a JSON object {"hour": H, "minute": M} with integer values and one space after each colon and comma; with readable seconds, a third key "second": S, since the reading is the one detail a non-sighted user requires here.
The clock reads {"hour": 5, "minute": 28, "second": 10}
